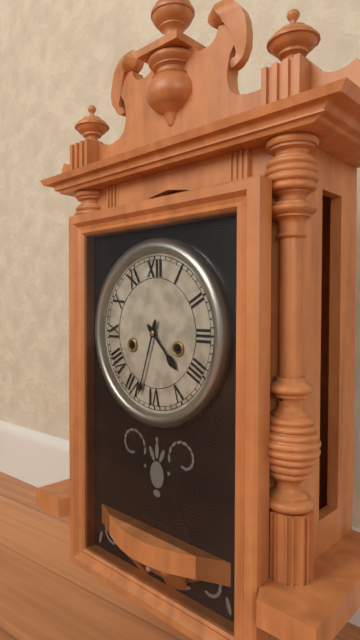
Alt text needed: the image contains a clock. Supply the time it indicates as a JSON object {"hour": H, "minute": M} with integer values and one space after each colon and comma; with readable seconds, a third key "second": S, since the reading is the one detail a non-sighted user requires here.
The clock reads {"hour": 4, "minute": 33}
